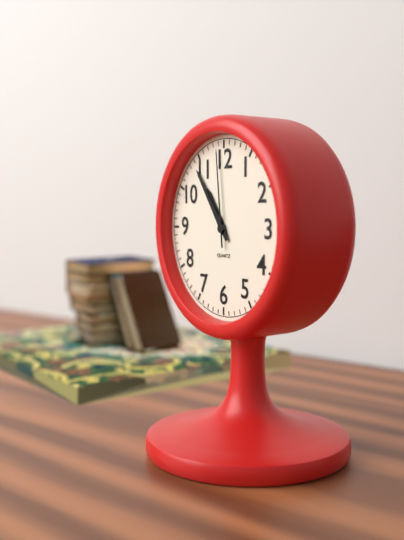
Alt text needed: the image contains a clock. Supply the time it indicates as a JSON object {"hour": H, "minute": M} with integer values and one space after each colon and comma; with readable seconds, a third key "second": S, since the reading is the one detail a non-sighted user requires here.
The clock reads {"hour": 10, "minute": 54, "second": 59}
